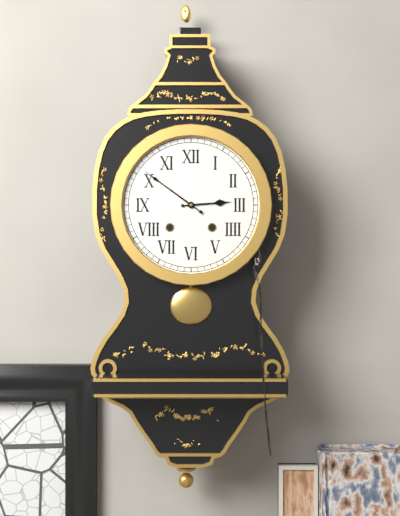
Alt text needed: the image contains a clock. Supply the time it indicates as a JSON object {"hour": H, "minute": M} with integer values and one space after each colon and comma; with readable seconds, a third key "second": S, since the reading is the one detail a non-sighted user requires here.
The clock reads {"hour": 2, "minute": 51}
